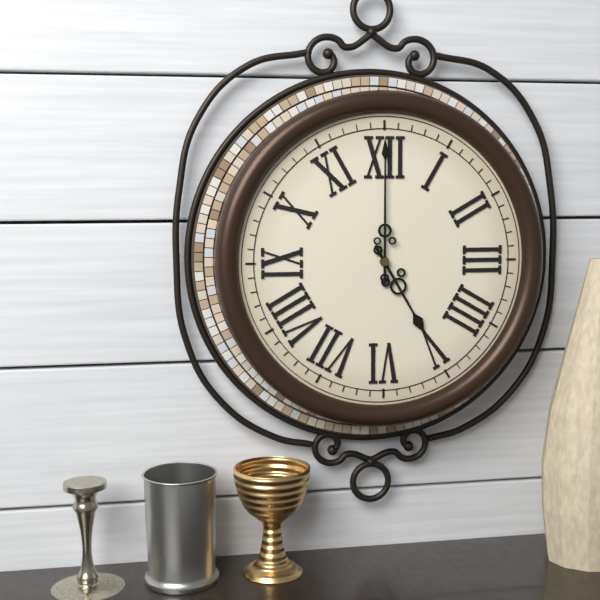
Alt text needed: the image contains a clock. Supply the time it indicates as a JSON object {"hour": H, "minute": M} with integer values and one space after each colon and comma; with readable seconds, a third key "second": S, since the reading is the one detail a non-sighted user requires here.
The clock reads {"hour": 5, "minute": 0}
